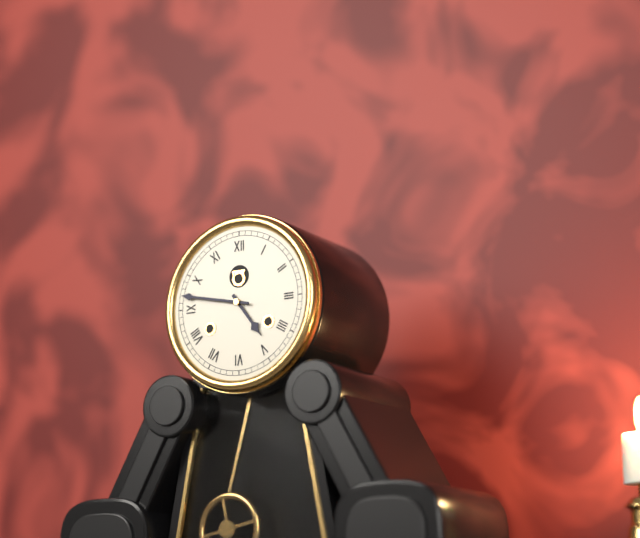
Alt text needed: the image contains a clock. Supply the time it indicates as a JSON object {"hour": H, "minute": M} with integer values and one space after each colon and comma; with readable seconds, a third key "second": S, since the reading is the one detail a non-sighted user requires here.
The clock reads {"hour": 4, "minute": 47}
